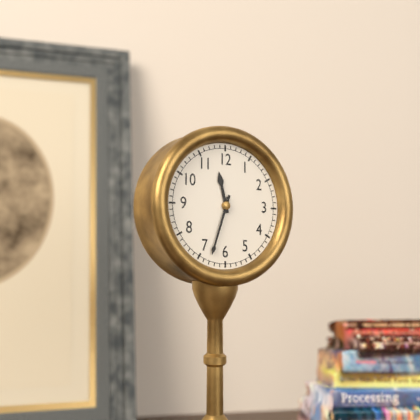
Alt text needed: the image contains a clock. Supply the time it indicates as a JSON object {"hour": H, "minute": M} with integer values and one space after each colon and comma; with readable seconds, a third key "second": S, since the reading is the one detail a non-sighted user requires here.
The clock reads {"hour": 11, "minute": 33}
